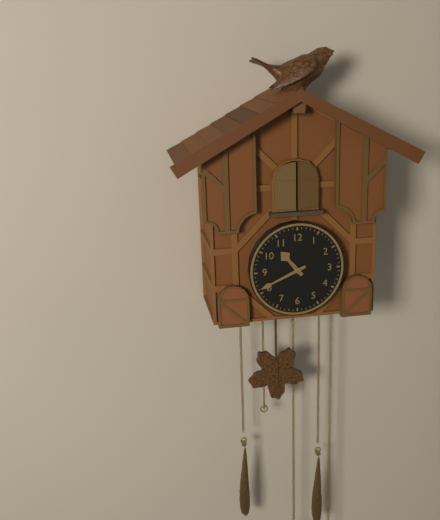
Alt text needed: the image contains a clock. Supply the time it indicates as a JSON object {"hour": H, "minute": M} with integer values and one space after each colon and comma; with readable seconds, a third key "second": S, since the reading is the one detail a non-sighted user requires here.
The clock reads {"hour": 10, "minute": 41}
